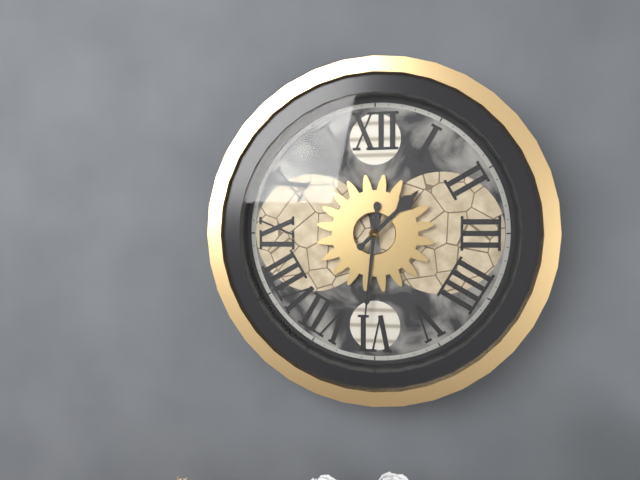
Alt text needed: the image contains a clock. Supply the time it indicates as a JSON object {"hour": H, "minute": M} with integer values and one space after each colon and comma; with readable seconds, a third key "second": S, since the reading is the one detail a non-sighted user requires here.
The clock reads {"hour": 1, "minute": 31}
